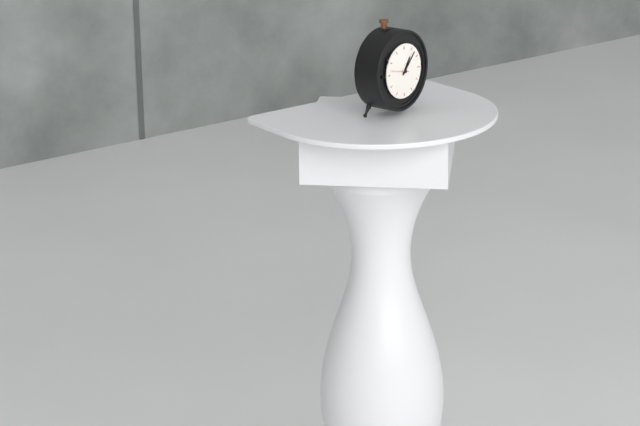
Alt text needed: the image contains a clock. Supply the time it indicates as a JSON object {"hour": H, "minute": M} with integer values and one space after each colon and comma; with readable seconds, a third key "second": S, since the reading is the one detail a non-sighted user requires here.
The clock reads {"hour": 1, "minute": 7}
